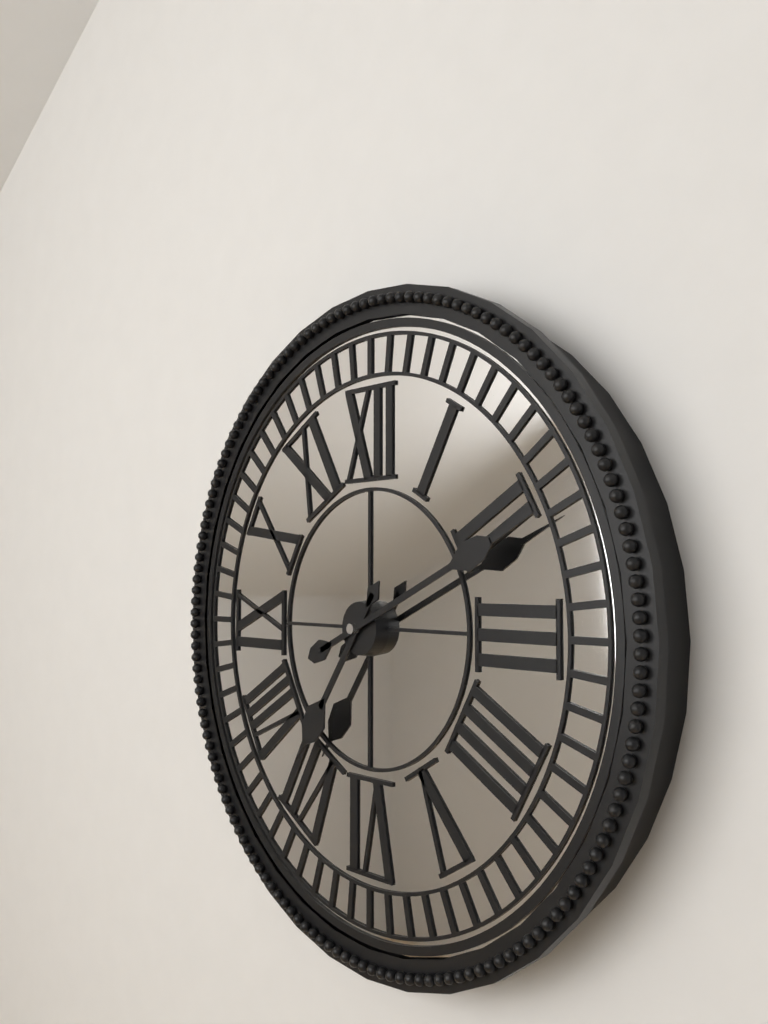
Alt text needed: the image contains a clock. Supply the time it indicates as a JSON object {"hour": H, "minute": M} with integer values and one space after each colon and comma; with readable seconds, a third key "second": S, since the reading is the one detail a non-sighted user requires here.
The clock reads {"hour": 7, "minute": 11}
